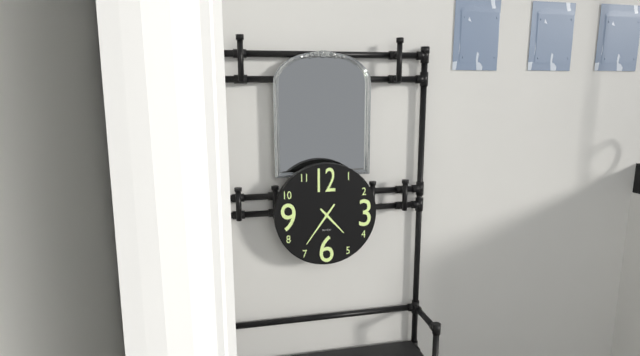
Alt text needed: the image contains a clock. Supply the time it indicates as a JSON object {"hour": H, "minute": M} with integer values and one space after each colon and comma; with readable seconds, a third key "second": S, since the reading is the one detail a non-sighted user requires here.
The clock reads {"hour": 4, "minute": 36}
